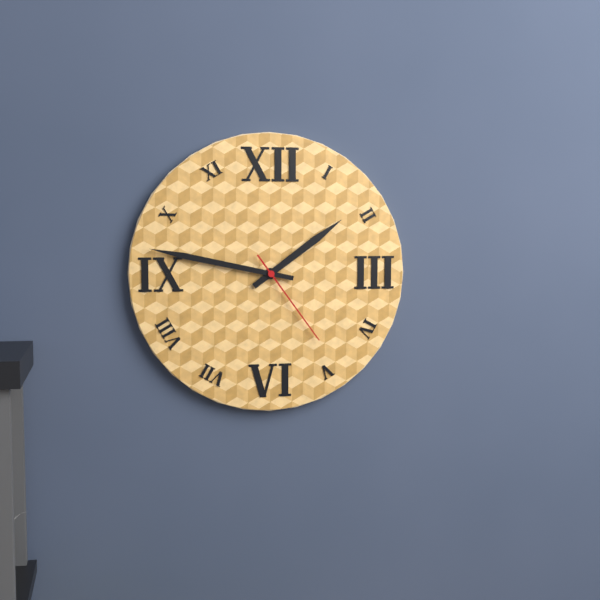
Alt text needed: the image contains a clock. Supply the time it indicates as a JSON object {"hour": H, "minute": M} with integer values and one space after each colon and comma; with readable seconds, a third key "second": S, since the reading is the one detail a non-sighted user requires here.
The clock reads {"hour": 1, "minute": 47, "second": 24}
